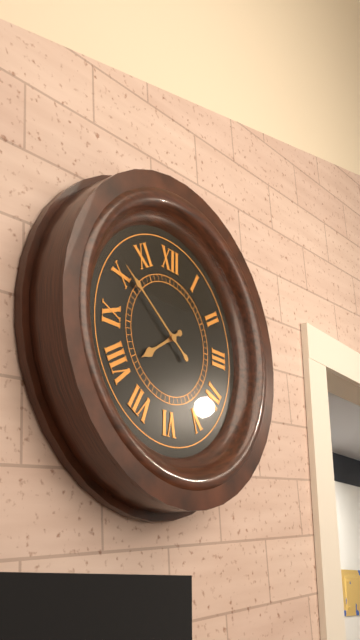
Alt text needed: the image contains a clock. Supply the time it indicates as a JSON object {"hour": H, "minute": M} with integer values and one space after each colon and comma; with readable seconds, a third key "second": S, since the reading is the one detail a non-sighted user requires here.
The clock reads {"hour": 7, "minute": 51}
